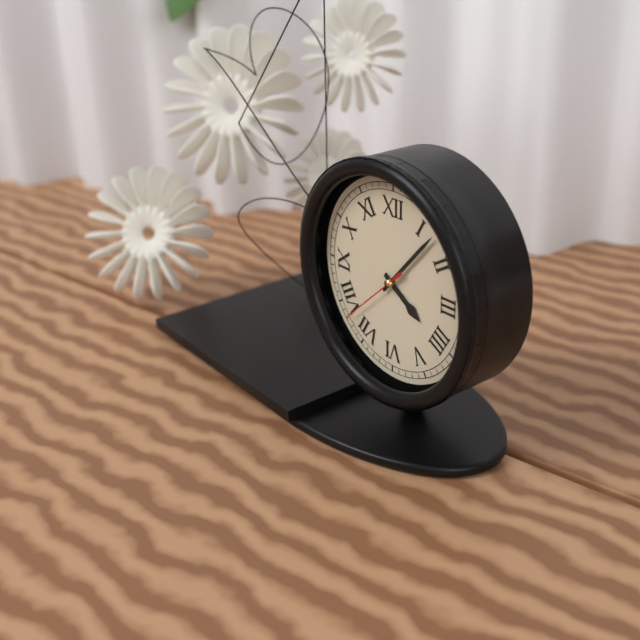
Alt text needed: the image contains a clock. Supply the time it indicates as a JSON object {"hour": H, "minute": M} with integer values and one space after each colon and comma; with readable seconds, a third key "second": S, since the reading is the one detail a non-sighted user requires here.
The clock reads {"hour": 4, "minute": 7, "second": 38}
